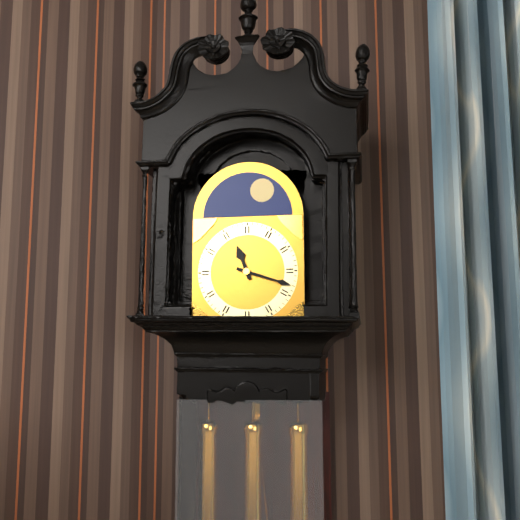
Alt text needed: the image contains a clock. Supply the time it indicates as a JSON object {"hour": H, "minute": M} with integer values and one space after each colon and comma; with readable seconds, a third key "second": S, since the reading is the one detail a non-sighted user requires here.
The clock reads {"hour": 11, "minute": 18}
